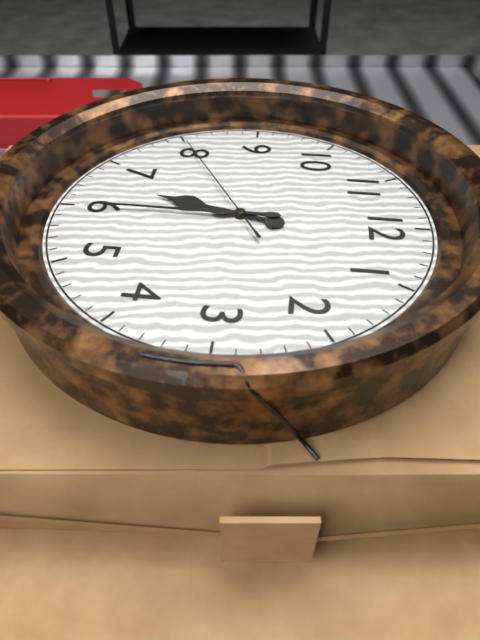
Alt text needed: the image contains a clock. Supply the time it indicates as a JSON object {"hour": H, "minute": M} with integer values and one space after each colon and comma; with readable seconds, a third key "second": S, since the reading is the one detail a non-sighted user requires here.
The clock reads {"hour": 6, "minute": 30, "second": 40}
